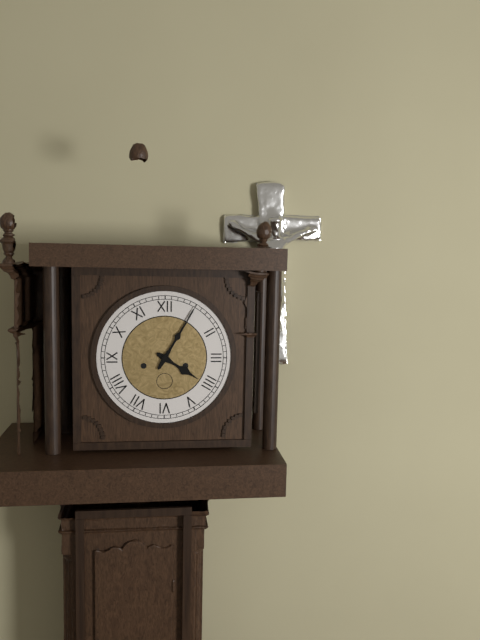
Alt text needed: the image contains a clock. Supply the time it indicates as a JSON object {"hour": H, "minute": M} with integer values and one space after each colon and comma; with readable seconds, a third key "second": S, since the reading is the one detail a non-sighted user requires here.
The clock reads {"hour": 4, "minute": 5}
